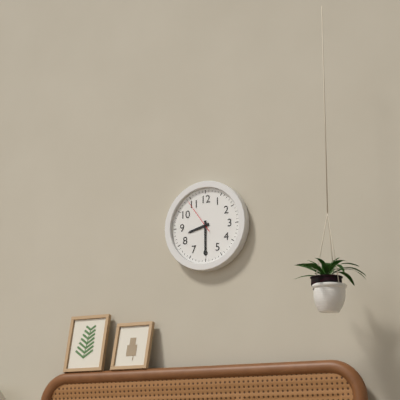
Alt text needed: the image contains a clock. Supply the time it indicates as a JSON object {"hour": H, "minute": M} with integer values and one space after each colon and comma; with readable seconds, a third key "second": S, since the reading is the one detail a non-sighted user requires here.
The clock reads {"hour": 8, "minute": 30}
